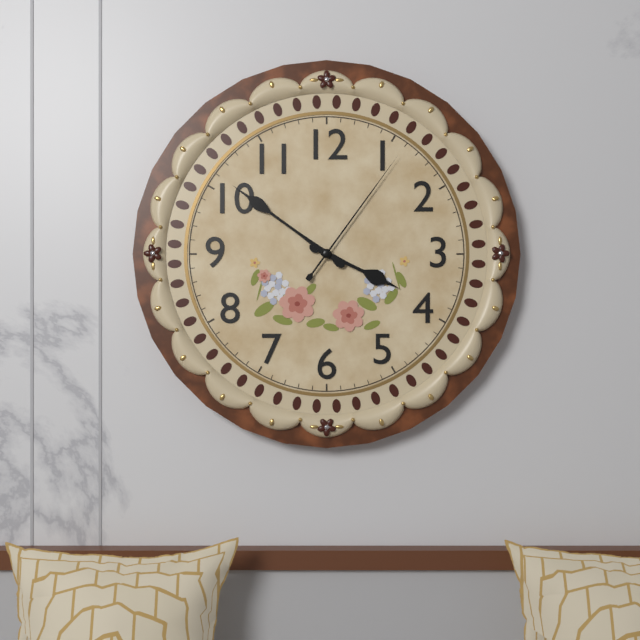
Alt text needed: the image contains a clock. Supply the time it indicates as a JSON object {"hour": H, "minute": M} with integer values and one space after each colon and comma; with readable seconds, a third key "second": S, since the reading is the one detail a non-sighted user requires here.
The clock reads {"hour": 3, "minute": 51, "second": 6}
